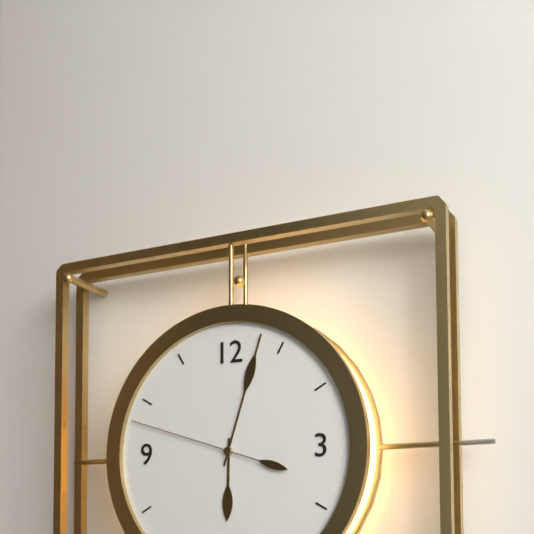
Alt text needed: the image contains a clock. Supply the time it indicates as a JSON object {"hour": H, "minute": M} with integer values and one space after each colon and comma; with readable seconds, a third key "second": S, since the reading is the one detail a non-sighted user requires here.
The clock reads {"hour": 6, "minute": 3, "second": 48}
